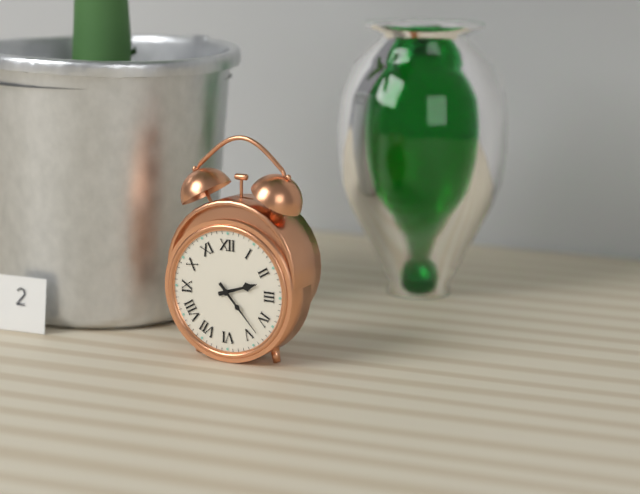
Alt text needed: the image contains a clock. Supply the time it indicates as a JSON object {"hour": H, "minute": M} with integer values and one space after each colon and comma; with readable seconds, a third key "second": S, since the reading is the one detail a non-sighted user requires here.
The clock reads {"hour": 2, "minute": 23}
